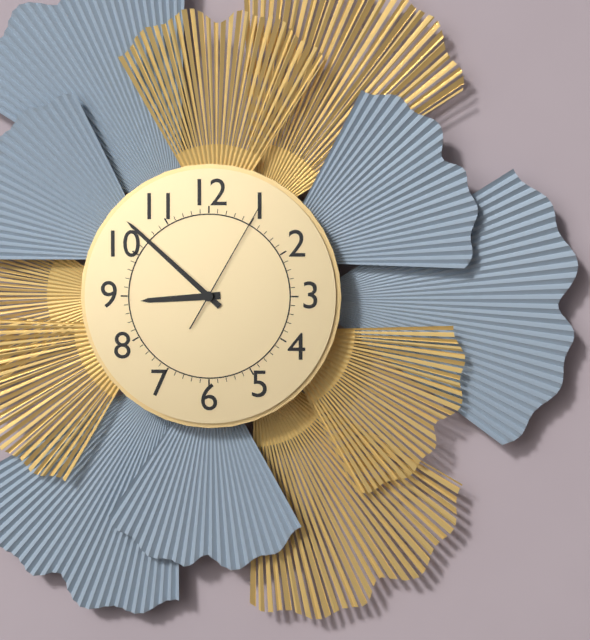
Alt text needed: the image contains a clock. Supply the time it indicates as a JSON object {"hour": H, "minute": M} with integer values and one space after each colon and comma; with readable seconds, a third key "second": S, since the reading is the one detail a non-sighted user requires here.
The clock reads {"hour": 8, "minute": 52, "second": 5}
